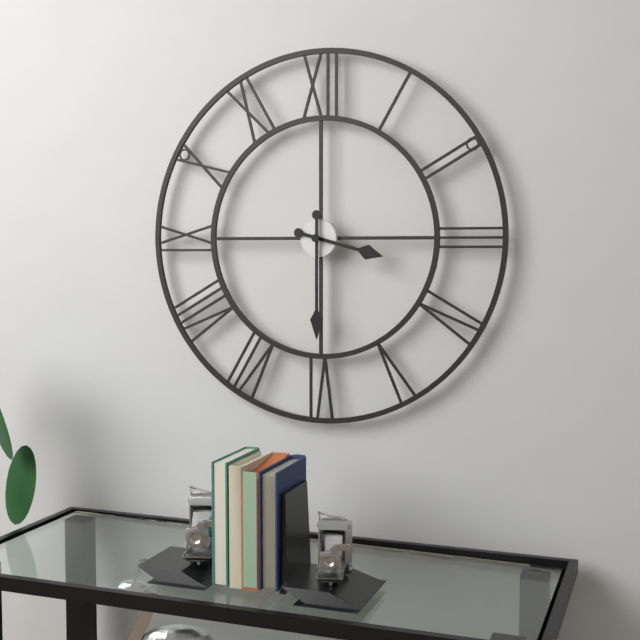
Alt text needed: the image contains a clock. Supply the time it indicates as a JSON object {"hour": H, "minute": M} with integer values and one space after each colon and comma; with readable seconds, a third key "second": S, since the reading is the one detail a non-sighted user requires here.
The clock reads {"hour": 3, "minute": 30}
